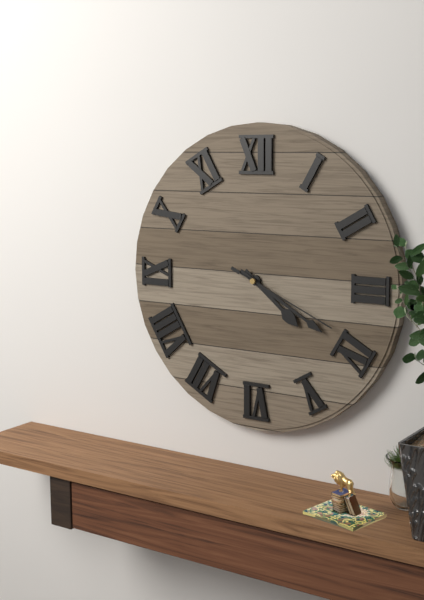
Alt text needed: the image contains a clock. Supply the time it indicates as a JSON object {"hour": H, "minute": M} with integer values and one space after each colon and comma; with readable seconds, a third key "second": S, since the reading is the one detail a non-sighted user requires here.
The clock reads {"hour": 4, "minute": 20, "second": 19}
